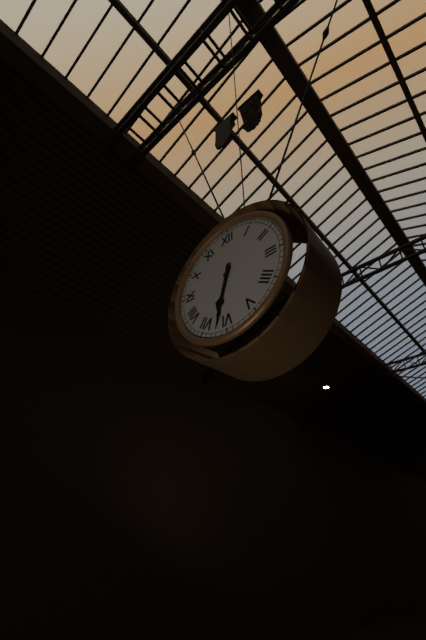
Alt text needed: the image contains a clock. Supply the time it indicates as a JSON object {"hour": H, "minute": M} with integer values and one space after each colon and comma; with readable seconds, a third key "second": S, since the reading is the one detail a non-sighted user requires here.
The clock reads {"hour": 6, "minute": 32}
